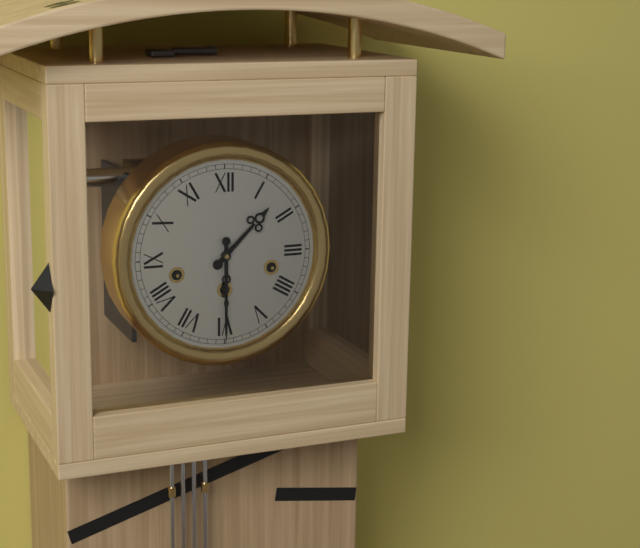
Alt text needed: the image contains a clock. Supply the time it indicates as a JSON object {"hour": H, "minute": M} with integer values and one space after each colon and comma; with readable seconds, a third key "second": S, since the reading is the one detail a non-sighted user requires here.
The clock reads {"hour": 1, "minute": 30}
